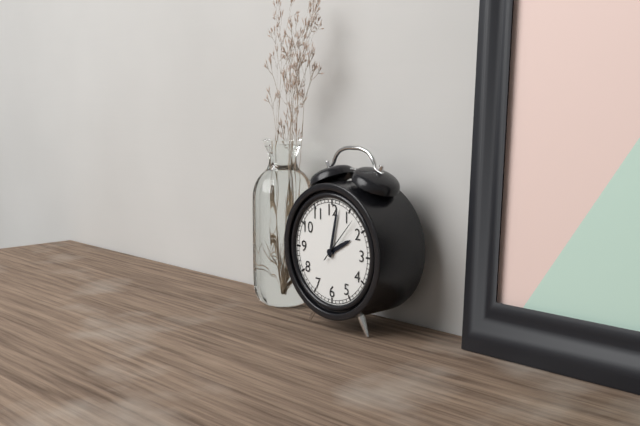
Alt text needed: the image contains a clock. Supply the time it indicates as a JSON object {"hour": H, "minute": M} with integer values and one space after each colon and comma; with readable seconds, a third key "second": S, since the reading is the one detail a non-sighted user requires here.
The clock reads {"hour": 2, "minute": 2}
